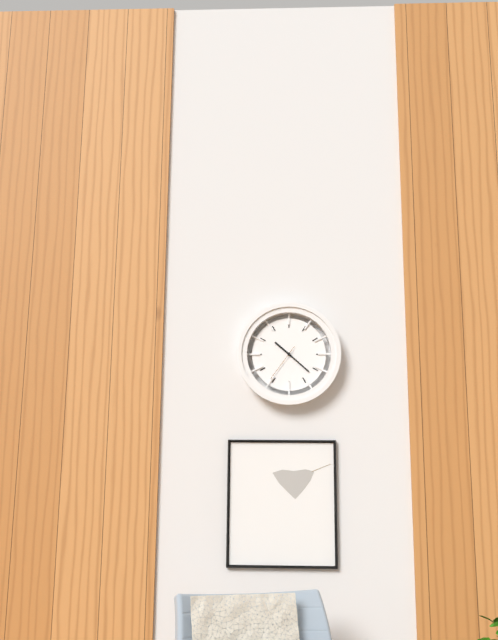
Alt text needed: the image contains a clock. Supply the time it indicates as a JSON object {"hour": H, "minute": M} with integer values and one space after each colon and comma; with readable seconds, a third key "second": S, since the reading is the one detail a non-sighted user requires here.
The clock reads {"hour": 10, "minute": 22}
